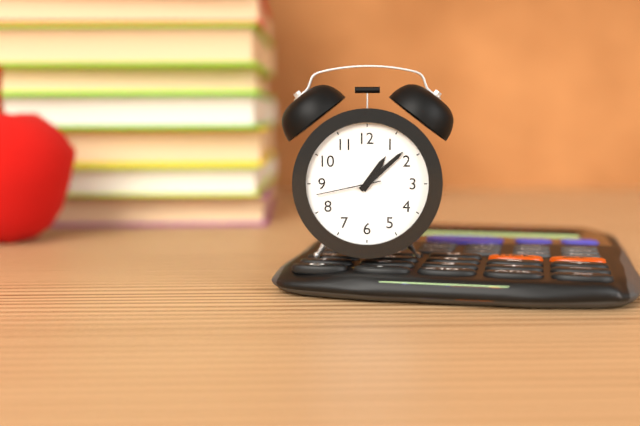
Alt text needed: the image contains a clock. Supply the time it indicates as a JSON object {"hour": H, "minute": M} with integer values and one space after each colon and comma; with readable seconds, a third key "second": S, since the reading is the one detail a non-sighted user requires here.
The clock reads {"hour": 1, "minute": 8, "second": 43}
